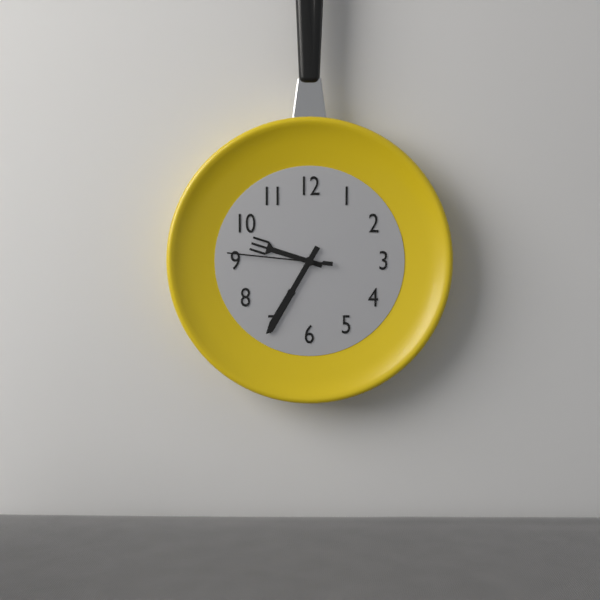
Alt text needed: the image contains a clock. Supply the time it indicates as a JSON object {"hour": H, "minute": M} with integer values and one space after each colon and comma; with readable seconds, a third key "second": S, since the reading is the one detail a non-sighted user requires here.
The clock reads {"hour": 9, "minute": 35, "second": 46}
